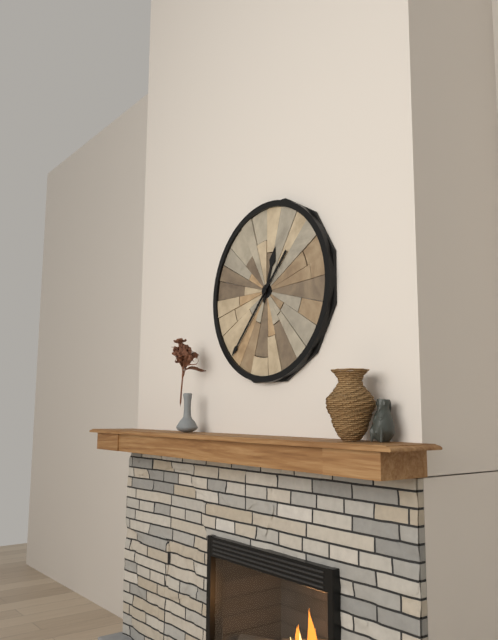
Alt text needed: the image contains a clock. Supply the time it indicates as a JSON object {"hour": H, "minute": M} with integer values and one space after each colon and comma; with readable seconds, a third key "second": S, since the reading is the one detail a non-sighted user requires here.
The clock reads {"hour": 12, "minute": 37}
